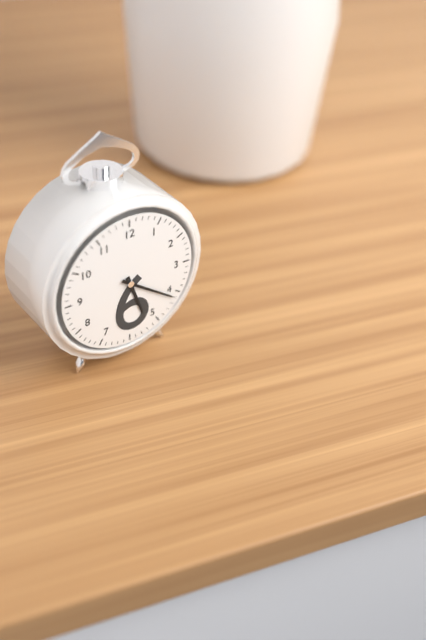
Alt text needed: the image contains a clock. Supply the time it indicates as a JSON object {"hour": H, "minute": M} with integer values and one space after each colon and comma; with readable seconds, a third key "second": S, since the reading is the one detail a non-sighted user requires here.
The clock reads {"hour": 5, "minute": 21}
